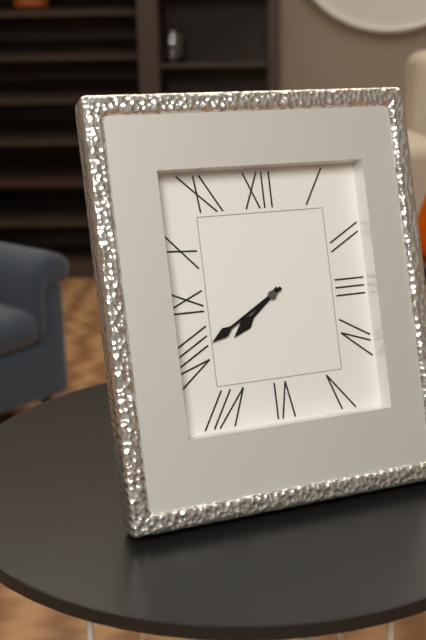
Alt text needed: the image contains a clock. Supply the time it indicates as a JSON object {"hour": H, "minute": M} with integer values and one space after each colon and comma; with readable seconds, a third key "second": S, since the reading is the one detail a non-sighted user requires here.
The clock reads {"hour": 7, "minute": 40}
